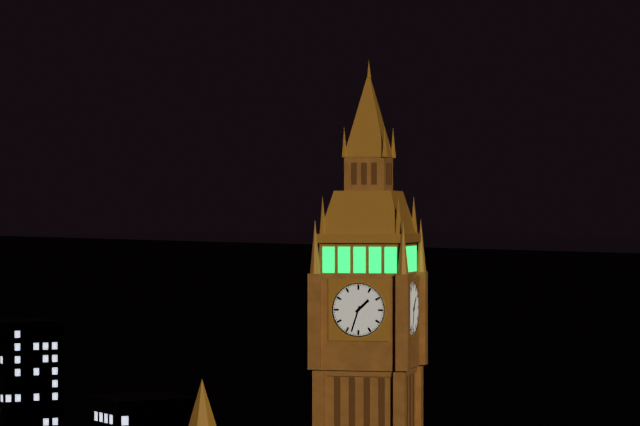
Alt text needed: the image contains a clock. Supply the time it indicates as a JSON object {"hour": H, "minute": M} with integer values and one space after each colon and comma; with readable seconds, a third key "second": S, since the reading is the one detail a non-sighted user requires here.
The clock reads {"hour": 1, "minute": 33}
